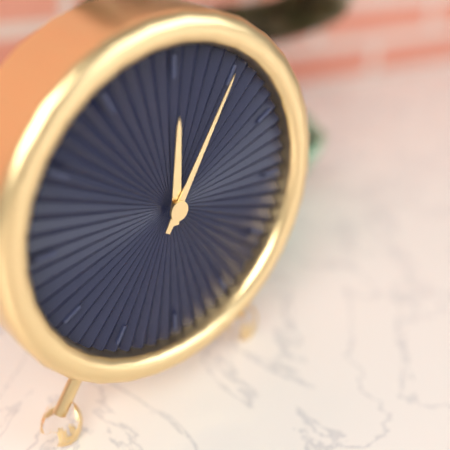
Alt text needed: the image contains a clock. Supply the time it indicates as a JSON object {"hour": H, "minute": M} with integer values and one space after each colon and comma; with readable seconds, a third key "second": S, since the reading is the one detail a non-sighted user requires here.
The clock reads {"hour": 12, "minute": 5}
